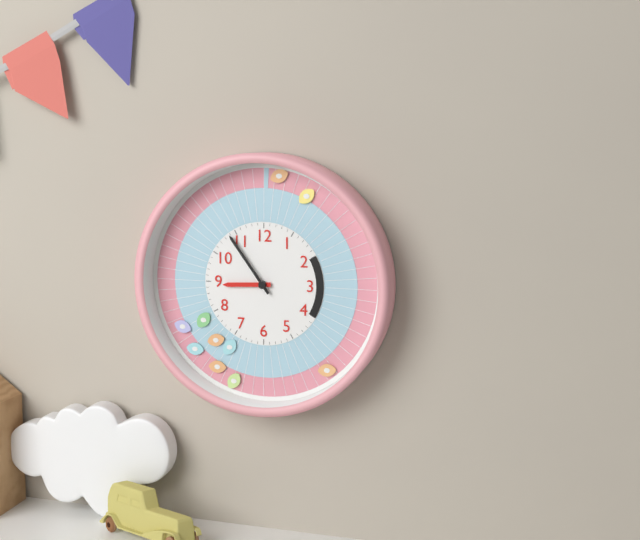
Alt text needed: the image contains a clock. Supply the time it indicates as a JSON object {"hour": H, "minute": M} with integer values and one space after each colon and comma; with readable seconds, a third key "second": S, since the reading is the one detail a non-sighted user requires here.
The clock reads {"hour": 8, "minute": 54}
